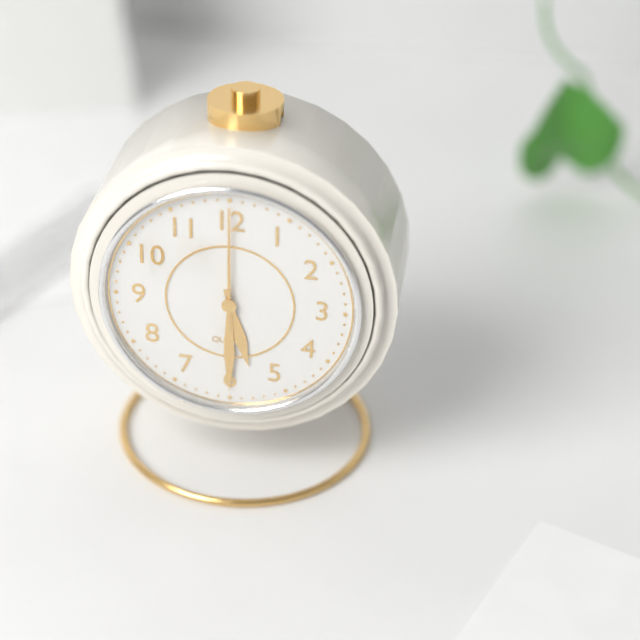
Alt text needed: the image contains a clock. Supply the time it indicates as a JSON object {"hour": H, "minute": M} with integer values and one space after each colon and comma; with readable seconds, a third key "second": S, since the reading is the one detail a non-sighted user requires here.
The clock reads {"hour": 5, "minute": 30, "second": 0}
